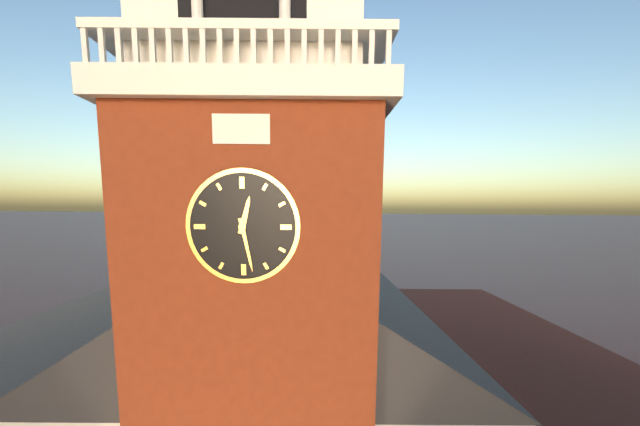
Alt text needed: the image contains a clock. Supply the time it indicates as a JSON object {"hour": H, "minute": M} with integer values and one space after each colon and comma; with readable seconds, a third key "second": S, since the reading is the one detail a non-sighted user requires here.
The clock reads {"hour": 12, "minute": 28}
